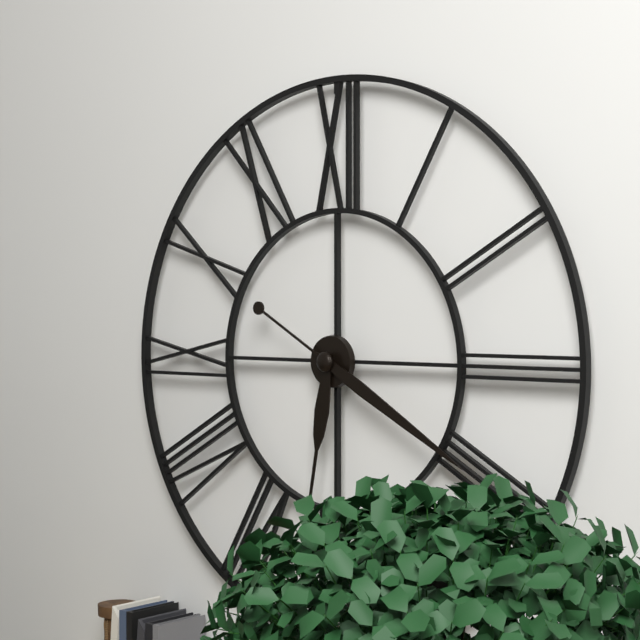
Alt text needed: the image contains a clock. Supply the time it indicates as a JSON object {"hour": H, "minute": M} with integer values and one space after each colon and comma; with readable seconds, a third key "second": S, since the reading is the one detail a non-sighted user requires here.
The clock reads {"hour": 6, "minute": 20}
